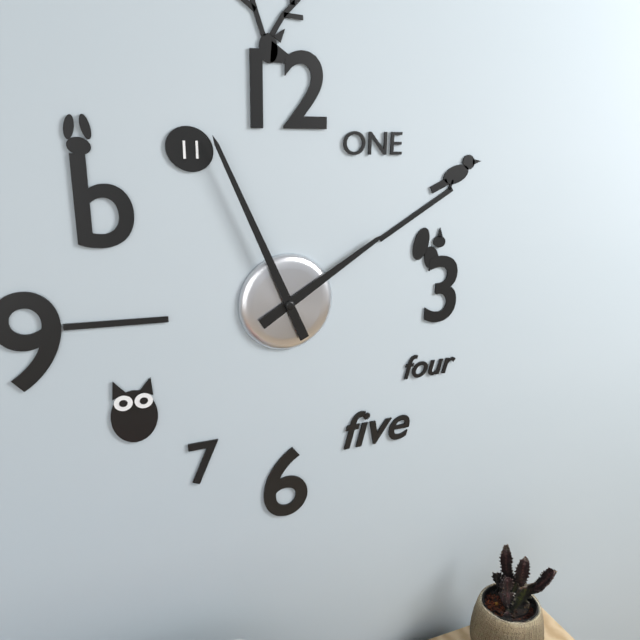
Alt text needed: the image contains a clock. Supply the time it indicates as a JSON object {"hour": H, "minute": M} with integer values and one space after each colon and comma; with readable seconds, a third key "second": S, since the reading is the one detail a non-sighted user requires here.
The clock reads {"hour": 1, "minute": 56}
